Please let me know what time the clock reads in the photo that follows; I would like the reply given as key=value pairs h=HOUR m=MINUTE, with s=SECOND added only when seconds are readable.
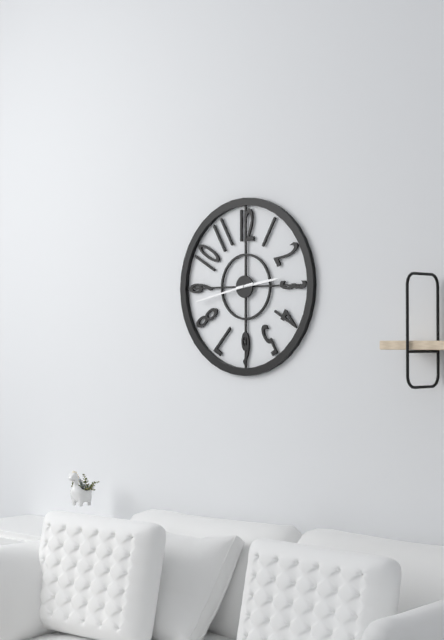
h=2 m=43
